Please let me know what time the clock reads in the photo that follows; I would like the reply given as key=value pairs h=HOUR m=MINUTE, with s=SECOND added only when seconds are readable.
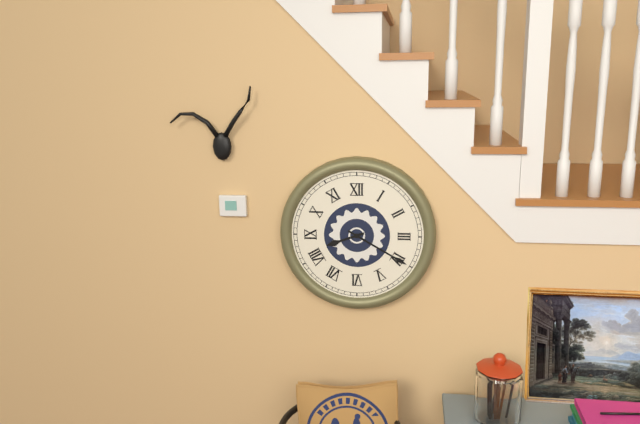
h=8 m=20
